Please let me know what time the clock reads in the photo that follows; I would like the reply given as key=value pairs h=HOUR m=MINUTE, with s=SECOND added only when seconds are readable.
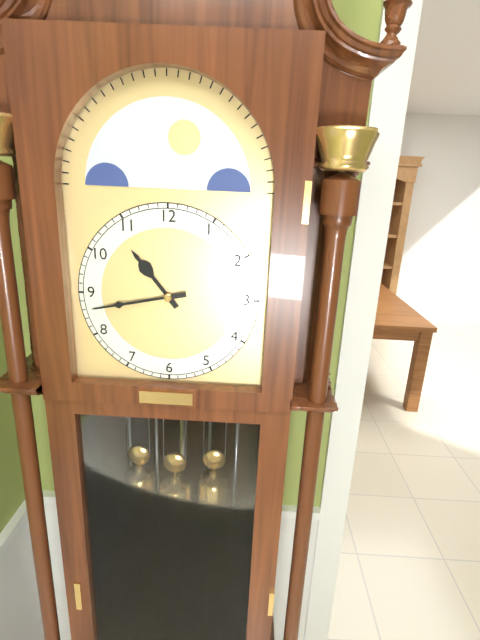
h=10 m=43
